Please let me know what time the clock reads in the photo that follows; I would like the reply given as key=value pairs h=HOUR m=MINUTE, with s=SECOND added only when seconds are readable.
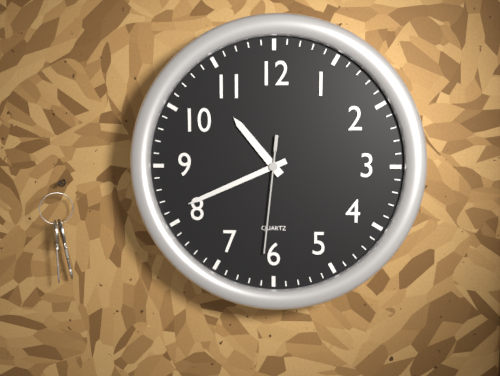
h=10 m=41 s=31
